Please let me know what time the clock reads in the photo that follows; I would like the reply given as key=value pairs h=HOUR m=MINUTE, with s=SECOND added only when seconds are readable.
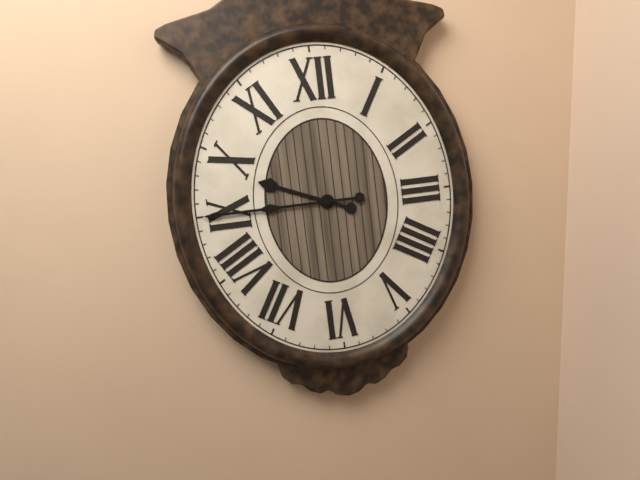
h=9 m=45
